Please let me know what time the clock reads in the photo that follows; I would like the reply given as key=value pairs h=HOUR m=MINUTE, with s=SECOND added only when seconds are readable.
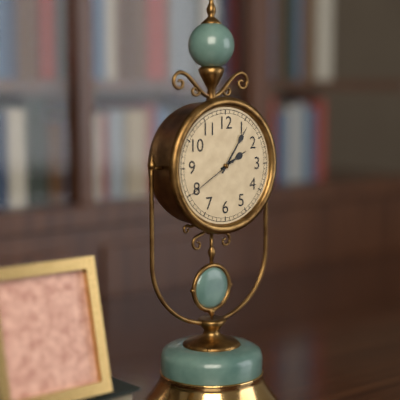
h=2 m=6 s=40
